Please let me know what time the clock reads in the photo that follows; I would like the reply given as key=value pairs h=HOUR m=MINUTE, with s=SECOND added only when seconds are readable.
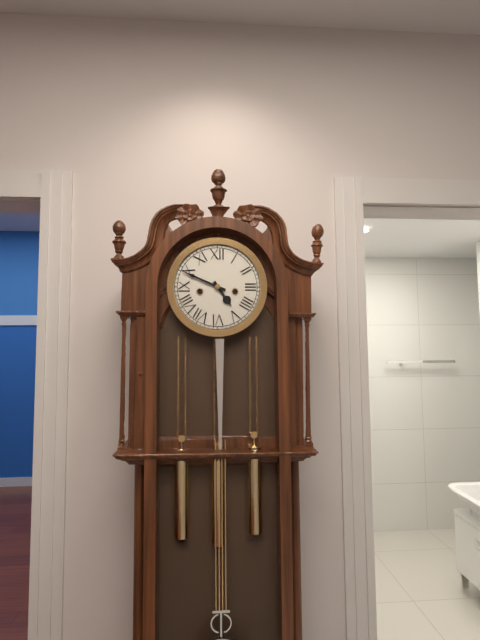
h=4 m=49
